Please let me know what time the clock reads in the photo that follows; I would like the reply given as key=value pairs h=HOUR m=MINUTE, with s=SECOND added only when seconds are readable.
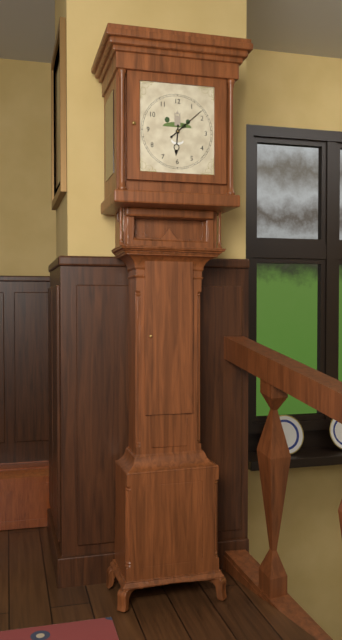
h=6 m=8
